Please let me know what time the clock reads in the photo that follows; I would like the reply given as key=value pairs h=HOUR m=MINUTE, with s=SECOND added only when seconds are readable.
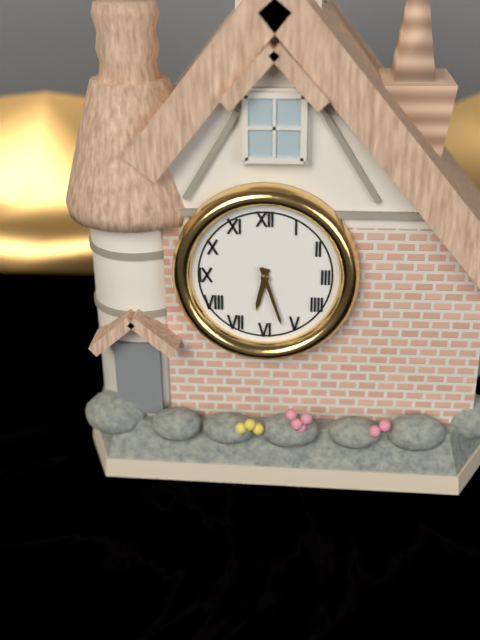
h=6 m=27
